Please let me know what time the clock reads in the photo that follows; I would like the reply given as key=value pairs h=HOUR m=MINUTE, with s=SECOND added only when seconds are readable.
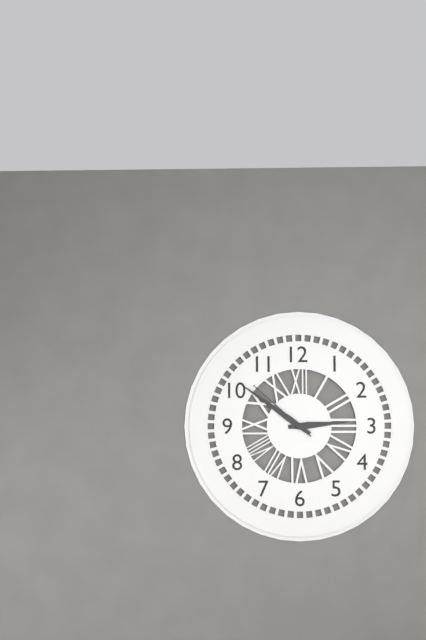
h=2 m=51 s=52
